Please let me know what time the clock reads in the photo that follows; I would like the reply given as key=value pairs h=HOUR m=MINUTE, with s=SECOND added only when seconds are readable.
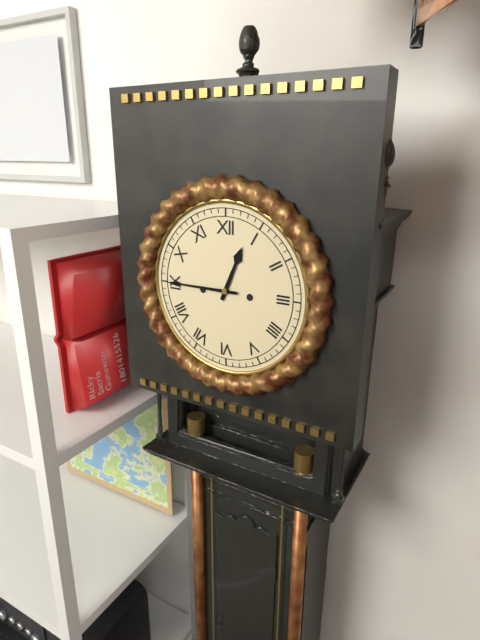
h=12 m=45
